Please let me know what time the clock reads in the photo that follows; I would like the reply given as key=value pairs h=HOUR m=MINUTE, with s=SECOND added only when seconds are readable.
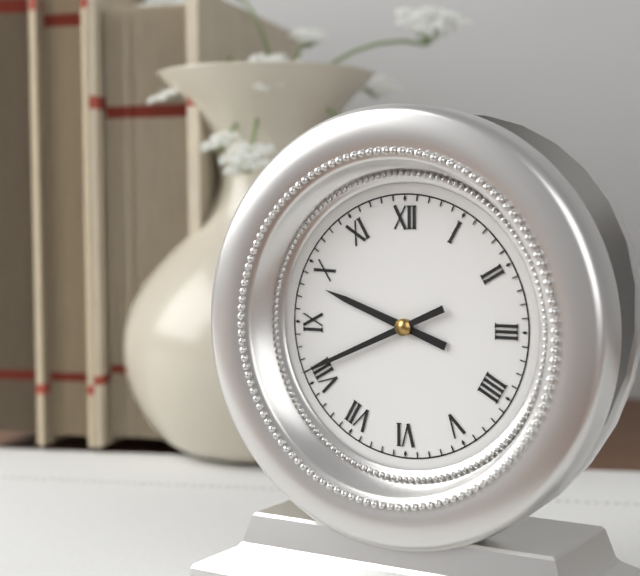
h=9 m=41
